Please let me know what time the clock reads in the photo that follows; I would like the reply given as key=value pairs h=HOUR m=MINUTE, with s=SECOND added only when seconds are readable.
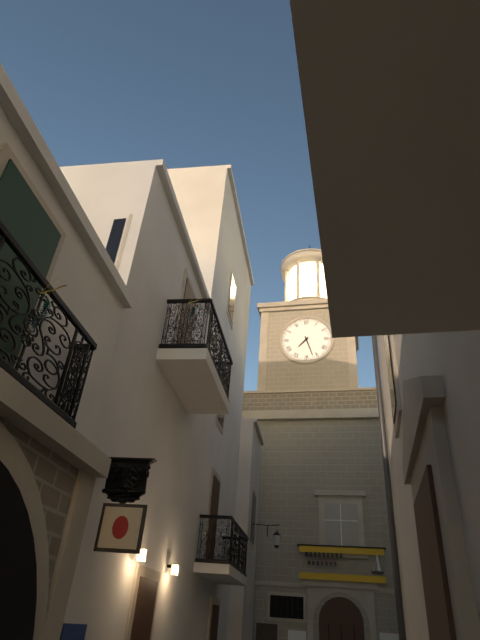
h=7 m=27
